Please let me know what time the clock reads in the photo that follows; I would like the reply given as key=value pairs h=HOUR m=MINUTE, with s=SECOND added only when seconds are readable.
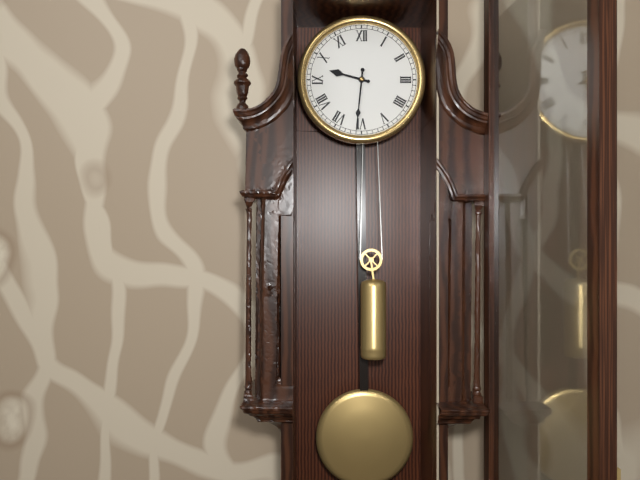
h=9 m=31
